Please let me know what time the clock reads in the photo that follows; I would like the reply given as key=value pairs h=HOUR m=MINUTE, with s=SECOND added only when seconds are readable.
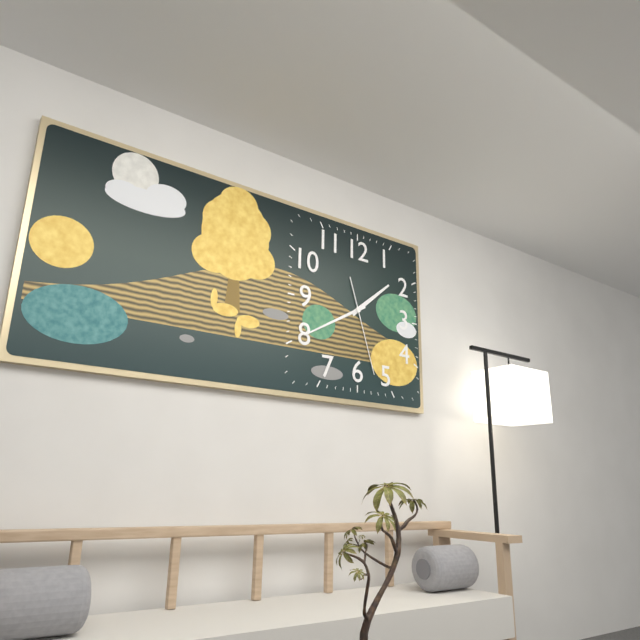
h=1 m=40 s=27
